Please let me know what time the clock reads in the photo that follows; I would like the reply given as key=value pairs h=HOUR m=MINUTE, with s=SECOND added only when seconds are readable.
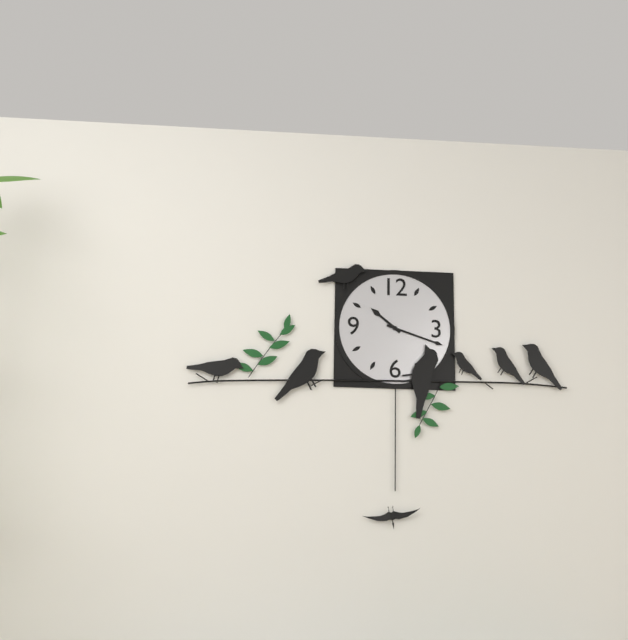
h=10 m=18
